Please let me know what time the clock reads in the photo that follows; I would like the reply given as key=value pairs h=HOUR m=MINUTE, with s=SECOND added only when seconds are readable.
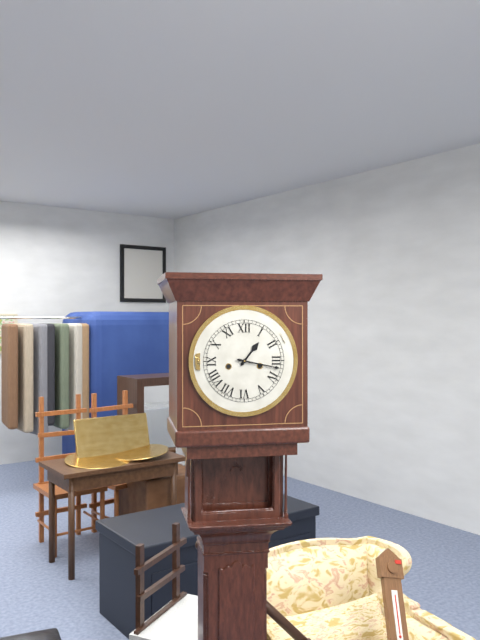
h=1 m=17
